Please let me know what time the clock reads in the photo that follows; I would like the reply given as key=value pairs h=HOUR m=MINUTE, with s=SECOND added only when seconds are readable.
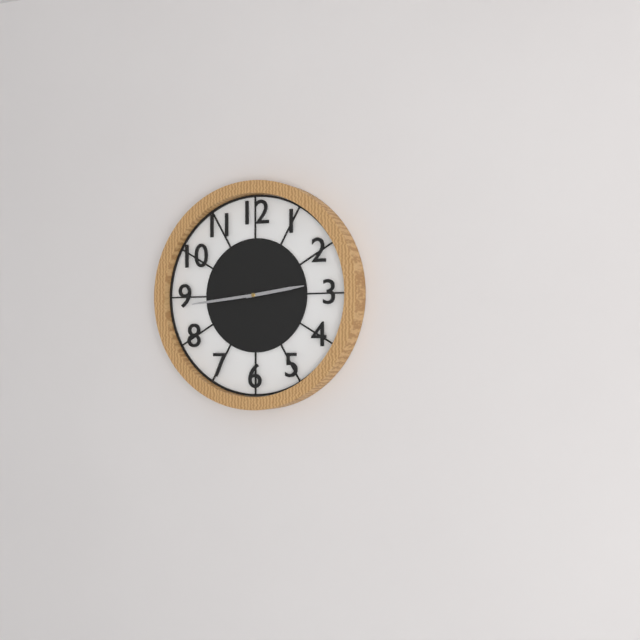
h=2 m=44
